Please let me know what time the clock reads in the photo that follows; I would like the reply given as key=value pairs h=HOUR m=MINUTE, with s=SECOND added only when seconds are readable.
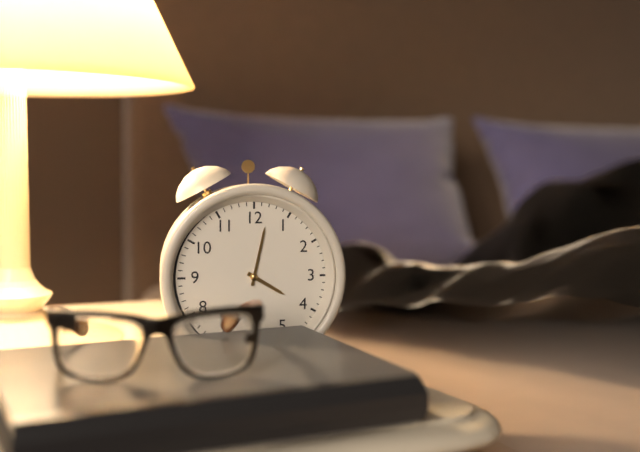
h=4 m=2
